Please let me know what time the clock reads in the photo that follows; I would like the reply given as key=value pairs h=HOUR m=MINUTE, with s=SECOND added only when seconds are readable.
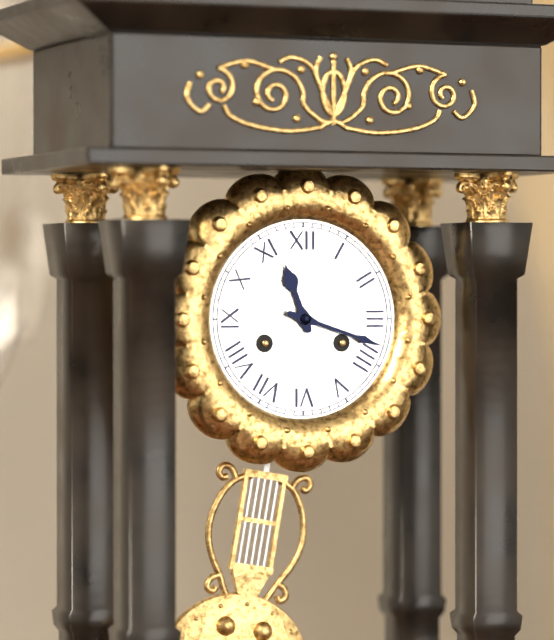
h=11 m=18
